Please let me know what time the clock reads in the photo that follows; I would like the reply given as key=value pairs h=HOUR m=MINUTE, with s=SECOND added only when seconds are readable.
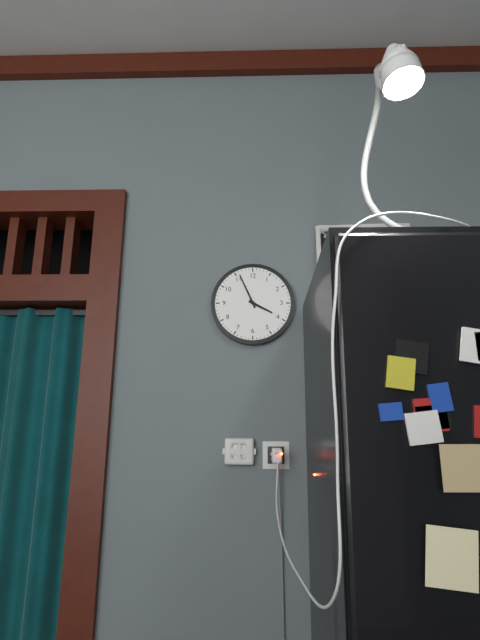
h=3 m=56
